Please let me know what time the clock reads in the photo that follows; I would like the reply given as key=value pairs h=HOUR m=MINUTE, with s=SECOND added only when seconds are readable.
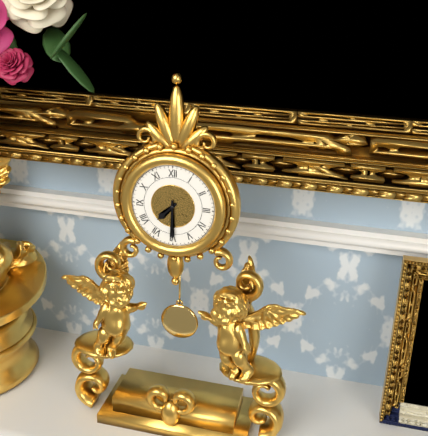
h=7 m=30
